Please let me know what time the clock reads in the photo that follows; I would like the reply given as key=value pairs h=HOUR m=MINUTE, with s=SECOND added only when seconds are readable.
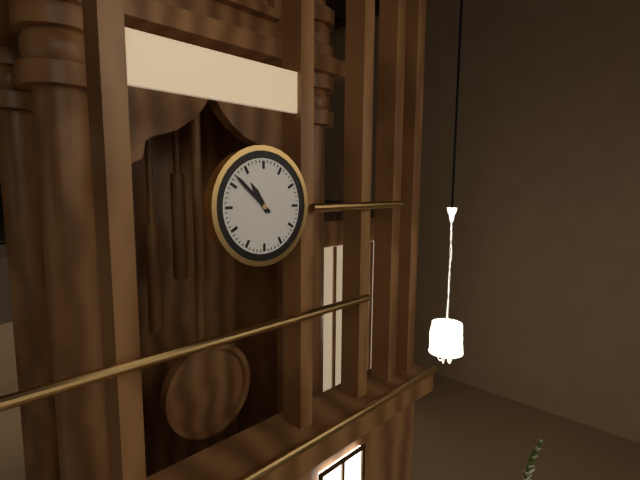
h=10 m=52
